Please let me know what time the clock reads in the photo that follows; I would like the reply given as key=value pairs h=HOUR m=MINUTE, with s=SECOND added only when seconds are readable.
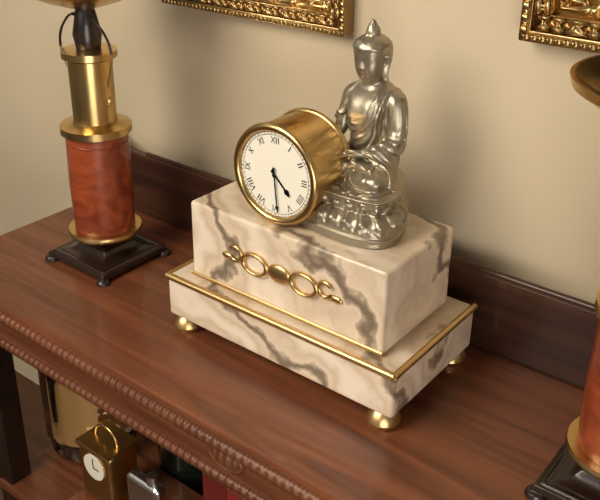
h=4 m=29
